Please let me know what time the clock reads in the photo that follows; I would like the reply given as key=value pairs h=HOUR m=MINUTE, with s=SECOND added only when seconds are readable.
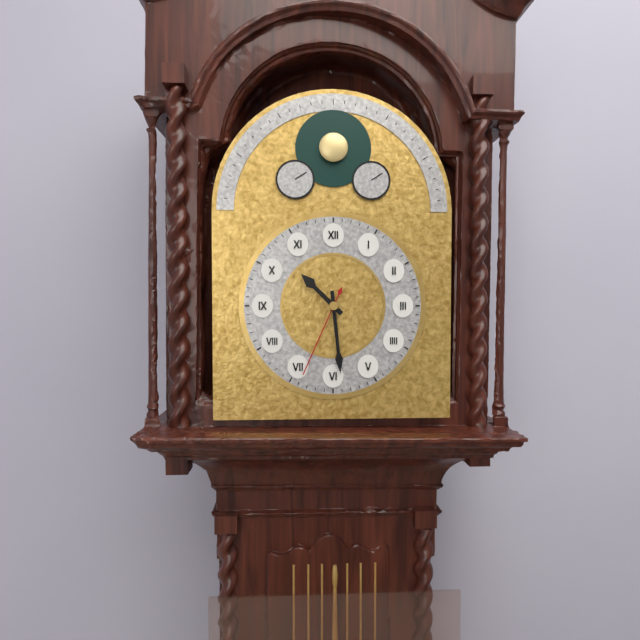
h=10 m=29 s=34
